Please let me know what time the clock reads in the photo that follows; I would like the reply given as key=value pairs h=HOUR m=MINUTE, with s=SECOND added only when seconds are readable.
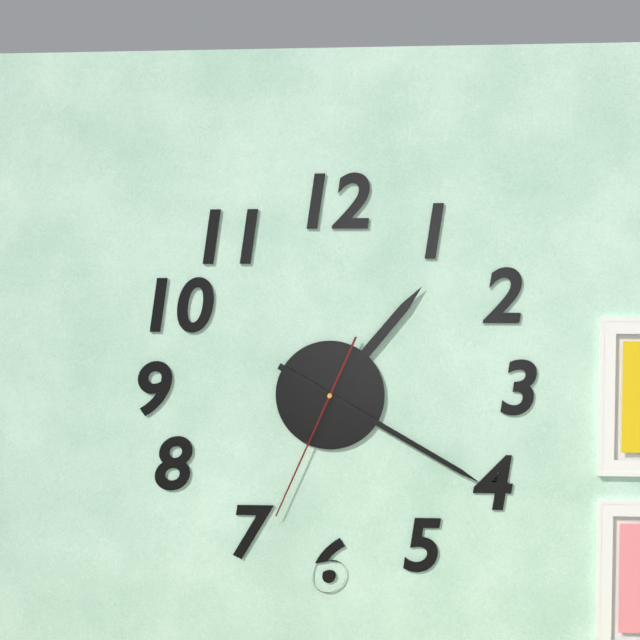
h=1 m=20 s=34
